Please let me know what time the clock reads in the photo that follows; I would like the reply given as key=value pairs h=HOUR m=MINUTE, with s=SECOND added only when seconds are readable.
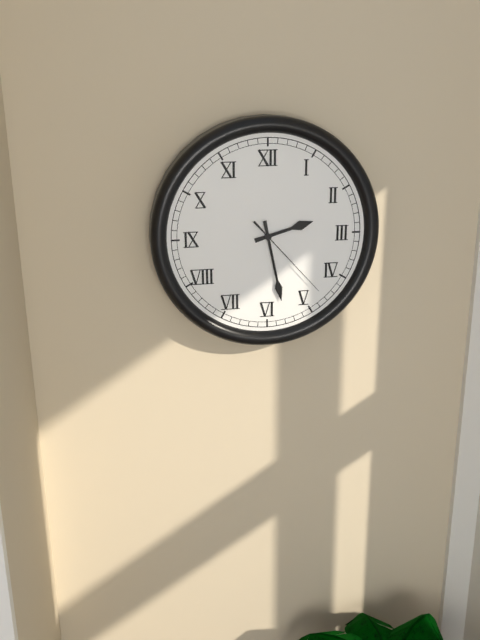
h=2 m=28 s=23
